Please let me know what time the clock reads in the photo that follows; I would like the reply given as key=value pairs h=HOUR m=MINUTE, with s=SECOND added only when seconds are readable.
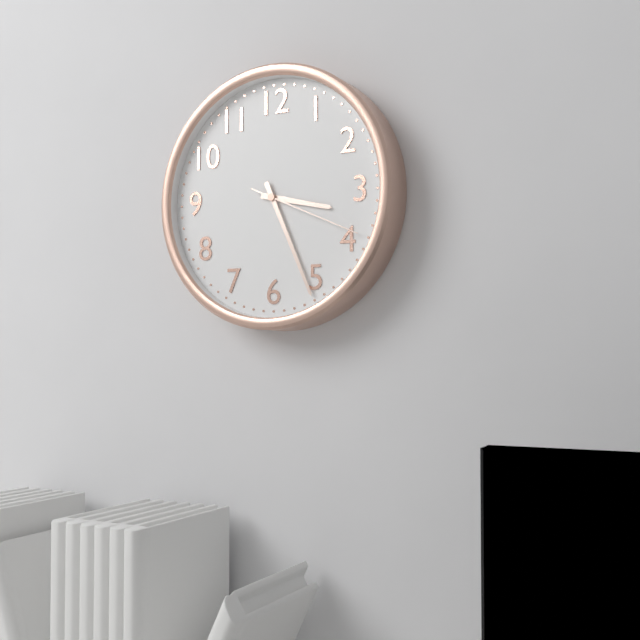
h=3 m=26 s=19
